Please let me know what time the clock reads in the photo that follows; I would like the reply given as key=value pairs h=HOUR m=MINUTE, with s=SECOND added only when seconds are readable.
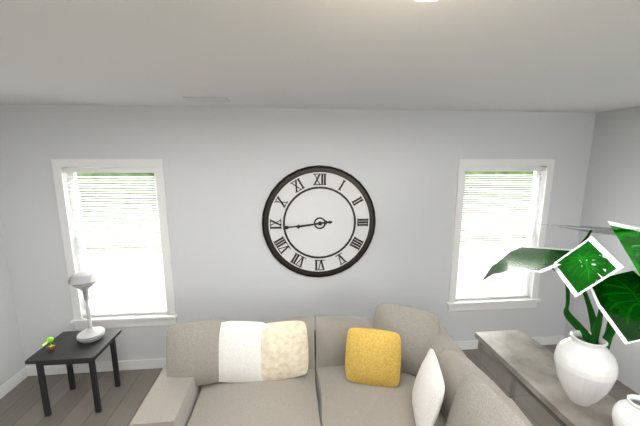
h=8 m=44
